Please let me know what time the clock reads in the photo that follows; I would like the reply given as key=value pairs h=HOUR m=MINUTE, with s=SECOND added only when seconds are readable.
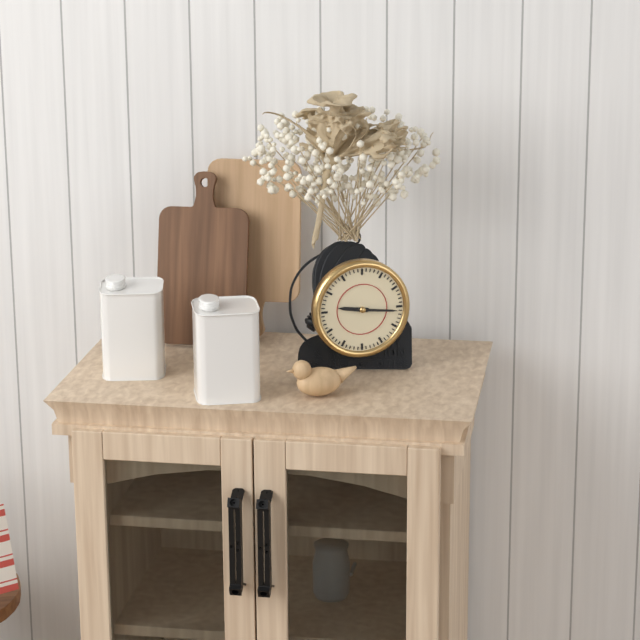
h=9 m=16
